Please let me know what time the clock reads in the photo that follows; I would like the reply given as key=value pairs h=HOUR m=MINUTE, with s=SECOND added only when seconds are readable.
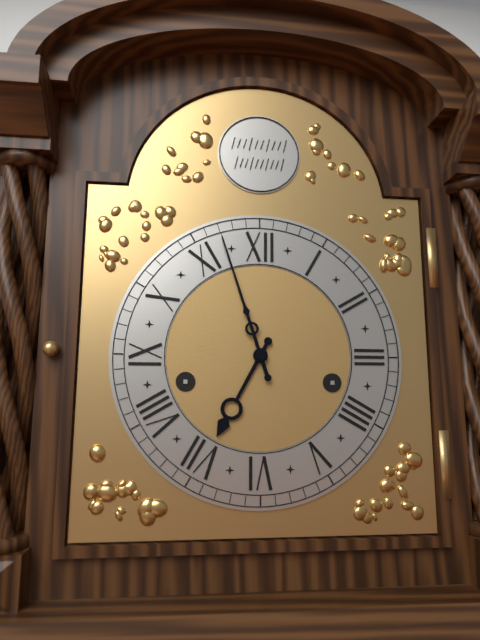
h=6 m=57
